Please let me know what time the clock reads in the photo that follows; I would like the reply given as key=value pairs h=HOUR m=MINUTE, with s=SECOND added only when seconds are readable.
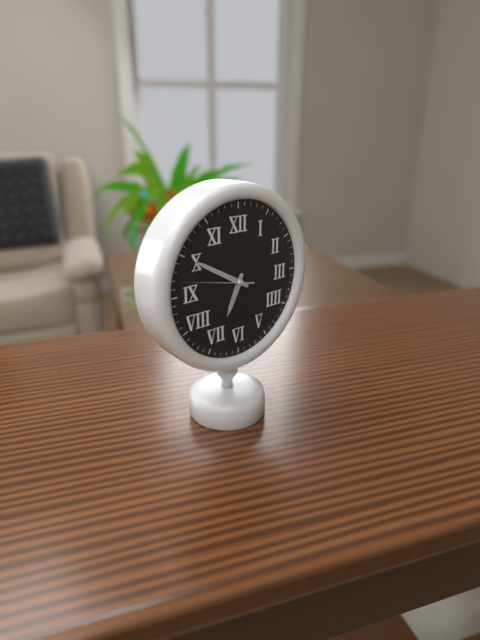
h=6 m=50 s=47
